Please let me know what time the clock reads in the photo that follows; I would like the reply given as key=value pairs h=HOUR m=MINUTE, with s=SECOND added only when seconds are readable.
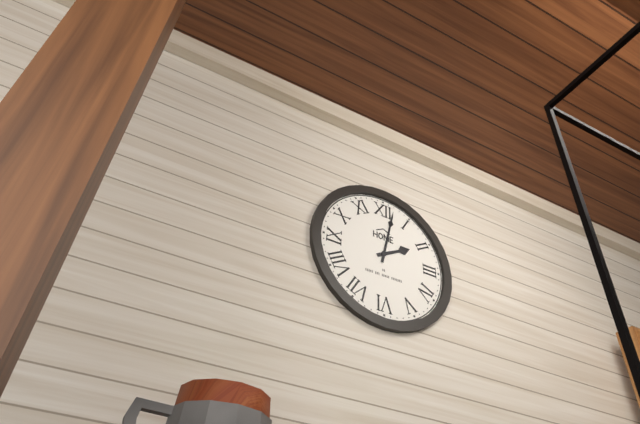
h=2 m=2
